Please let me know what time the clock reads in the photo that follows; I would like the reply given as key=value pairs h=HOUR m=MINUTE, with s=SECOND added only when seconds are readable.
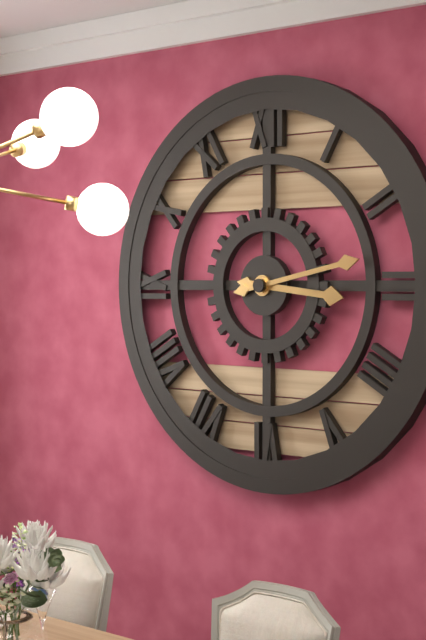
h=3 m=13
